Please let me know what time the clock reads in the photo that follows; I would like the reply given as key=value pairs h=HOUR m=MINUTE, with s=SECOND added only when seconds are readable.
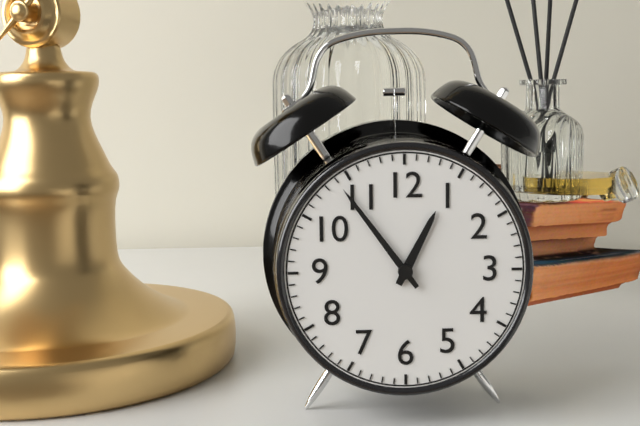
h=12 m=54
